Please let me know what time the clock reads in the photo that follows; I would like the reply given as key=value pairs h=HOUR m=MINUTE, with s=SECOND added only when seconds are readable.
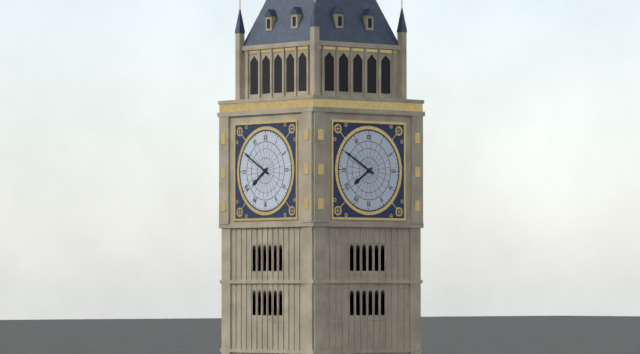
h=7 m=50
